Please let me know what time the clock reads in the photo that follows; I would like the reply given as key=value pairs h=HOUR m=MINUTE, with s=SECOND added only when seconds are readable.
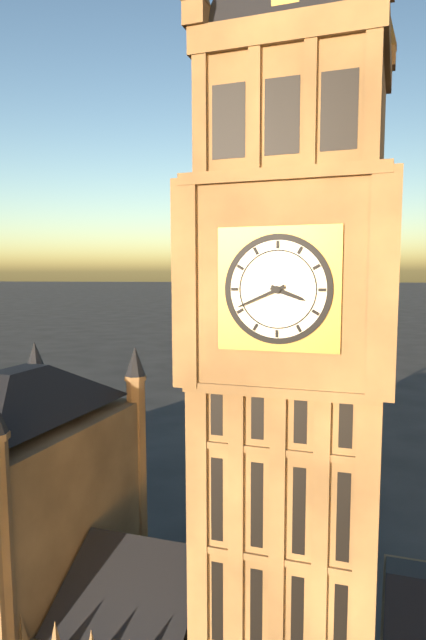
h=3 m=41
